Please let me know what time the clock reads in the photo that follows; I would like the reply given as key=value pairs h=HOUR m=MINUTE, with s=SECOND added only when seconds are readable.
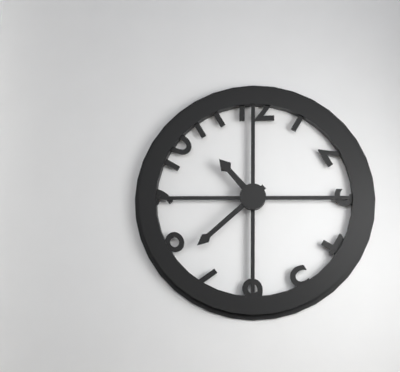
h=10 m=38
